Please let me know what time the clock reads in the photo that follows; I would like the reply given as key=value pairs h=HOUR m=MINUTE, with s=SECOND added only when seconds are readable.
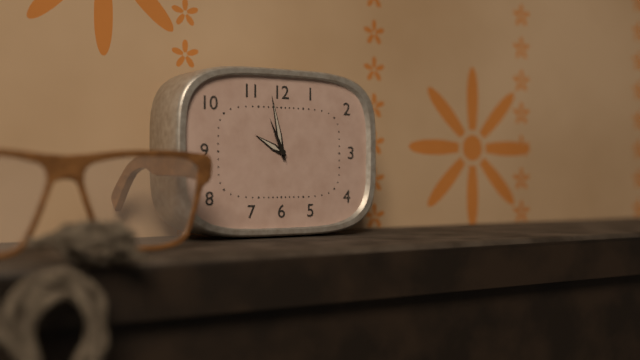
h=9 m=58
